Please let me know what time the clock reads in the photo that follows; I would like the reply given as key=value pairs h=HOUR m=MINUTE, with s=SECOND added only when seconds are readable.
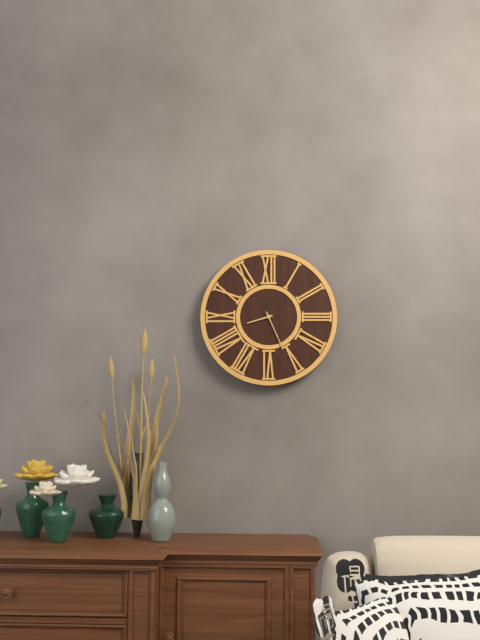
h=8 m=26
